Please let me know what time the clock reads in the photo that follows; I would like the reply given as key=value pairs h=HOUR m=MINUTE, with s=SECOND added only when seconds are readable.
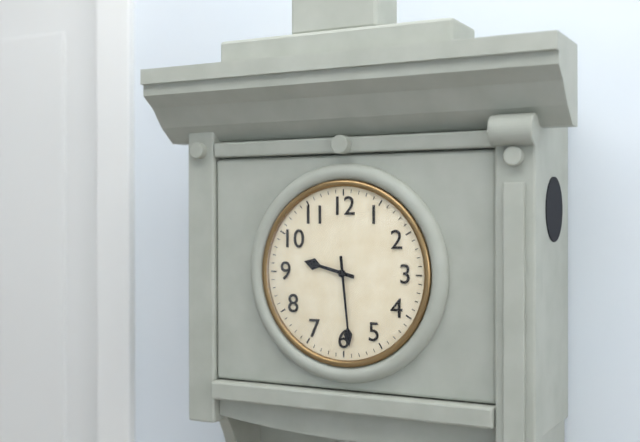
h=9 m=29
